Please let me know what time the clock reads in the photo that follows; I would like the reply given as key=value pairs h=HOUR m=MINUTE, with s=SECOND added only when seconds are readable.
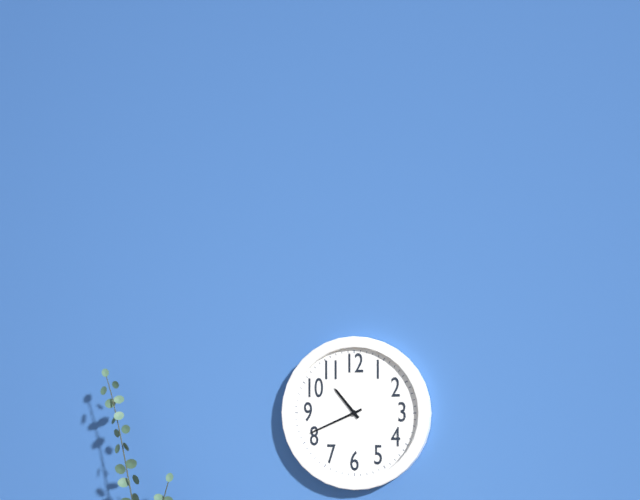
h=10 m=41
